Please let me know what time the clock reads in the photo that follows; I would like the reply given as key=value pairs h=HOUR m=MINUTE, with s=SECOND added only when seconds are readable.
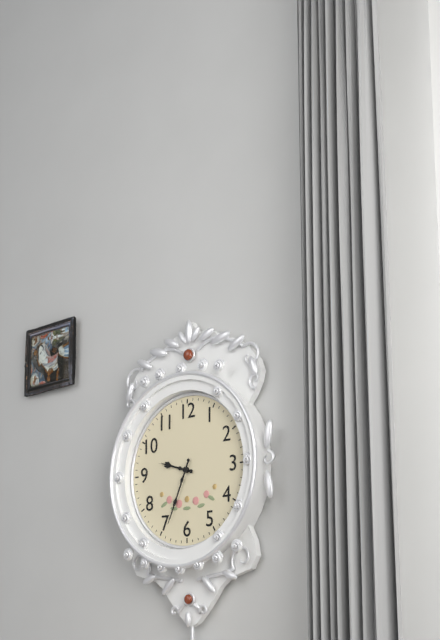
h=9 m=34
